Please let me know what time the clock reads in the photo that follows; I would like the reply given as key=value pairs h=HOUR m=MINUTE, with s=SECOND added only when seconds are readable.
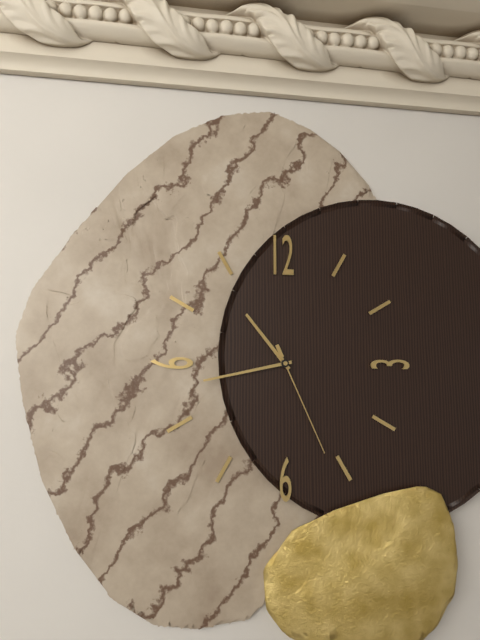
h=10 m=43 s=26
